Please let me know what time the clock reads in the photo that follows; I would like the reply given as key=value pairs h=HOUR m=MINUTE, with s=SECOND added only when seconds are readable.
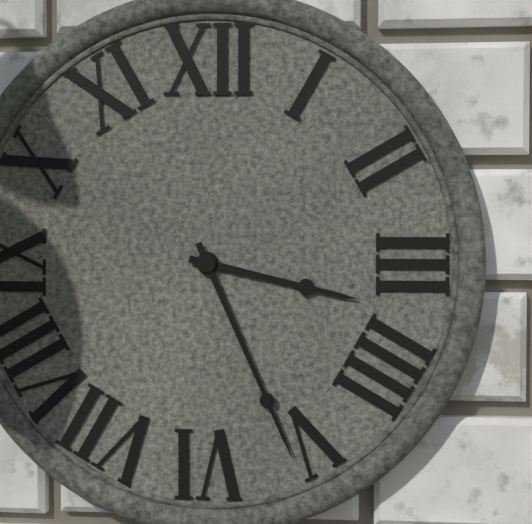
h=3 m=26
